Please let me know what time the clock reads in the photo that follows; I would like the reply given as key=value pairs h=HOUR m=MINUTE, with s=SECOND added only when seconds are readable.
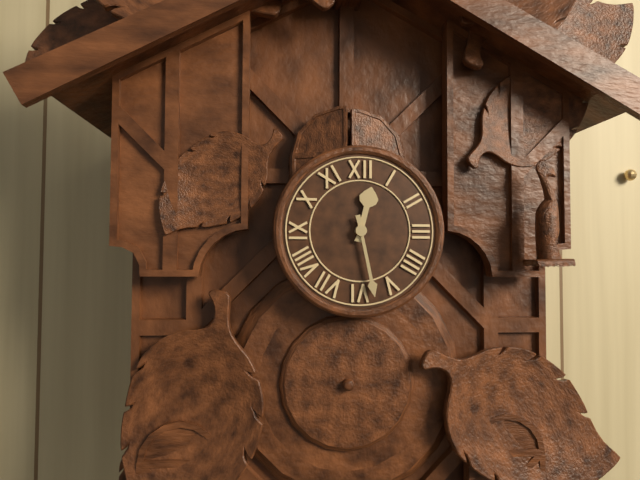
h=12 m=28
